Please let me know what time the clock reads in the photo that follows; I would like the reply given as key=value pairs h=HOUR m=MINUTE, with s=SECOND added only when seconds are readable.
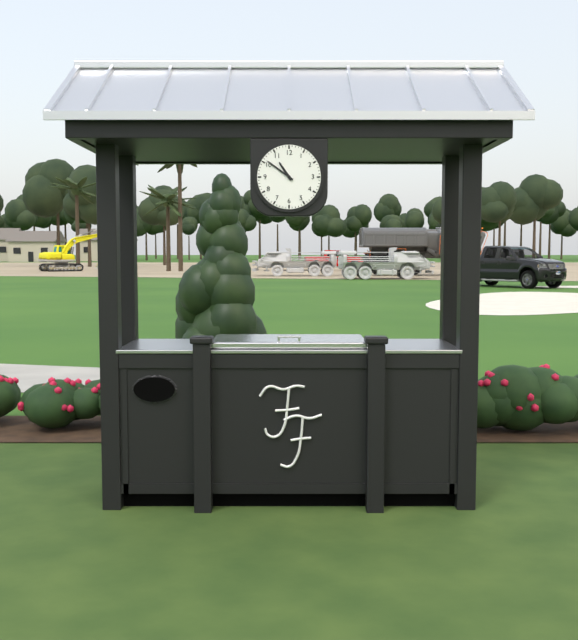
h=10 m=51
